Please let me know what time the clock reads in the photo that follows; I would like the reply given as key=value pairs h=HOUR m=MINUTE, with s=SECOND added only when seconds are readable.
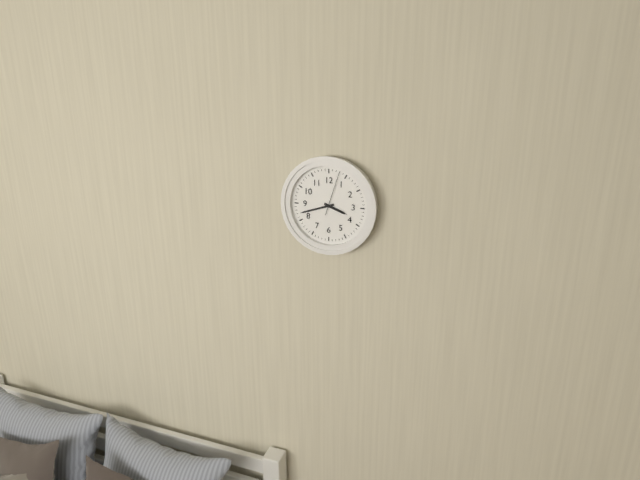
h=3 m=42
